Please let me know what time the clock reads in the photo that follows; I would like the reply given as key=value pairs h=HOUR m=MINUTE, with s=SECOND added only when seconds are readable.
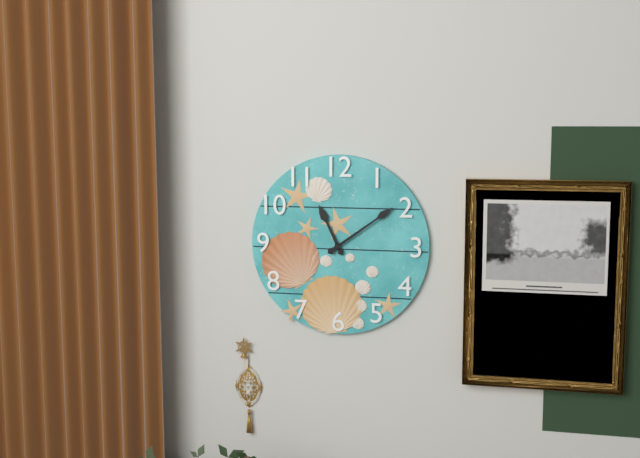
h=11 m=9
